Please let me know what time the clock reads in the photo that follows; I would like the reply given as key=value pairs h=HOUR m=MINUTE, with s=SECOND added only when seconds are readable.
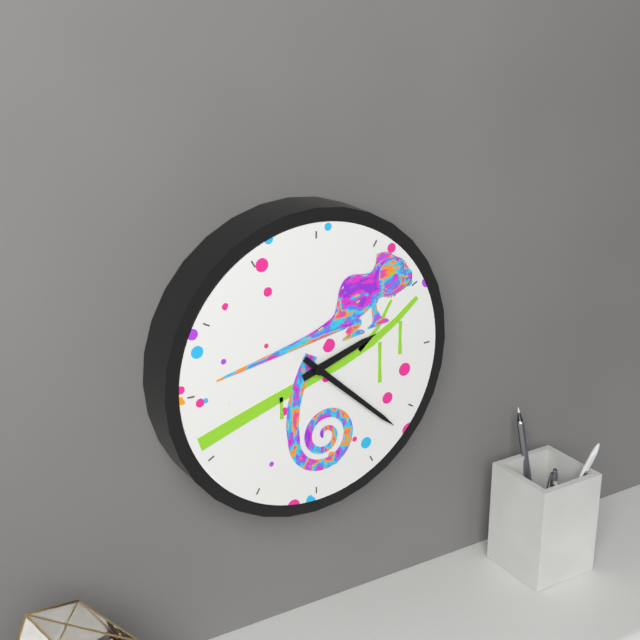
h=2 m=22
